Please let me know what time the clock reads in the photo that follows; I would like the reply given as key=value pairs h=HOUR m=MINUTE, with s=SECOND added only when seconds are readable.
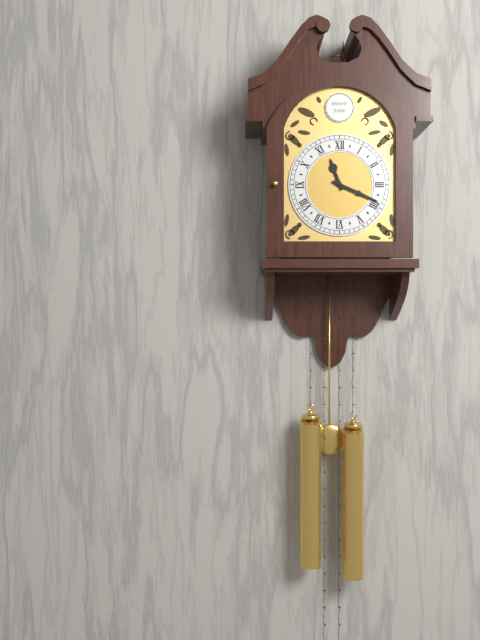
h=11 m=19
